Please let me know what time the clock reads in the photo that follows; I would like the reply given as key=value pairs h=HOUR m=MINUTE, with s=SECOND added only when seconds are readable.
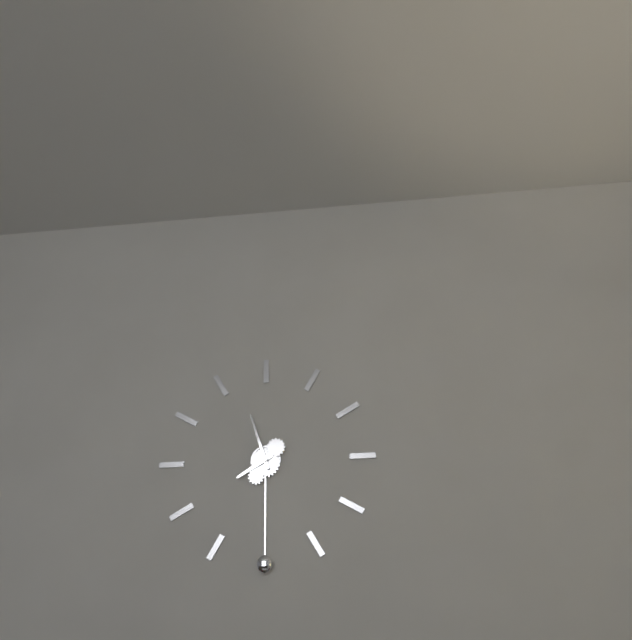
h=7 m=57
